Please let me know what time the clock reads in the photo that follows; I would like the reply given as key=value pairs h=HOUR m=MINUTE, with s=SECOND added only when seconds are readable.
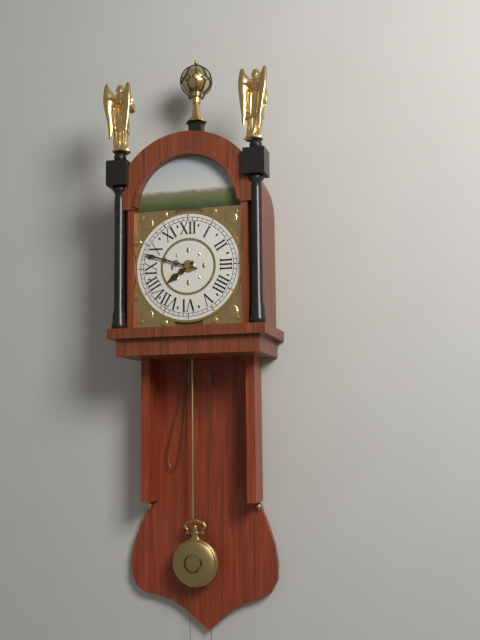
h=7 m=48
